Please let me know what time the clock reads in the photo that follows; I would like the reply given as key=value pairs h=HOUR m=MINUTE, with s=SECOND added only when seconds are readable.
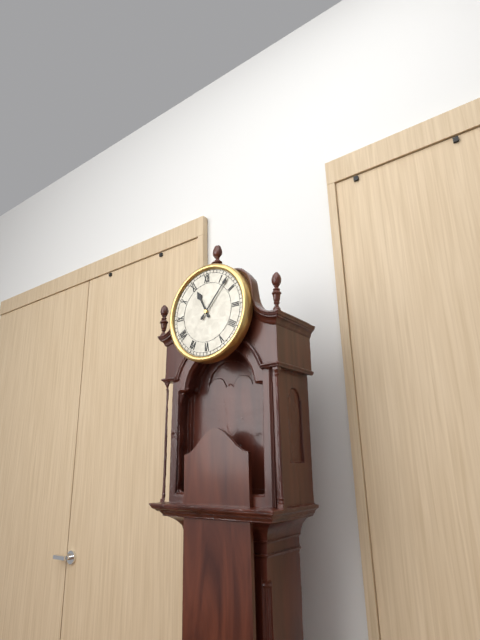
h=11 m=7
